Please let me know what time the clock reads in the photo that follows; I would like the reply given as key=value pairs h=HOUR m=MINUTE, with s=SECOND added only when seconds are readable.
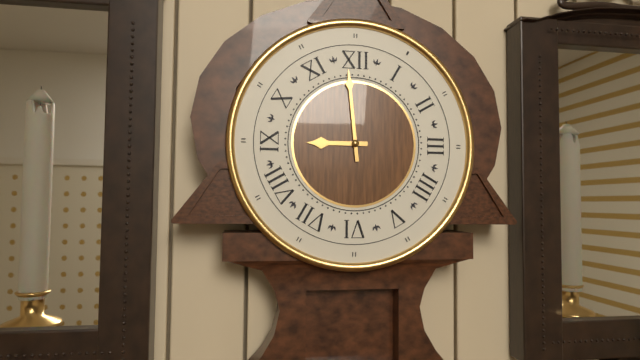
h=8 m=59
